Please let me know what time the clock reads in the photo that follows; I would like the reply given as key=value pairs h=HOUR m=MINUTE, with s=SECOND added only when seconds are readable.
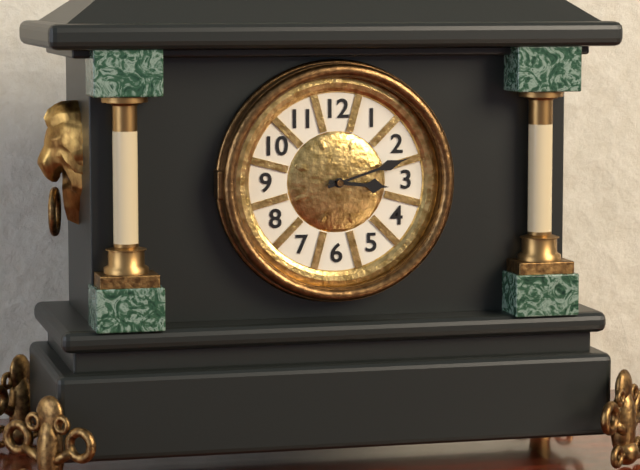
h=3 m=12
